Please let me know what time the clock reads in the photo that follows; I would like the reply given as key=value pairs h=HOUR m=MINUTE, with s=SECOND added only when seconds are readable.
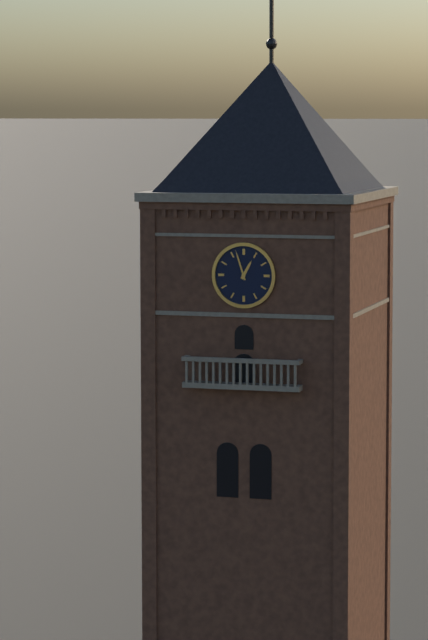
h=12 m=57
